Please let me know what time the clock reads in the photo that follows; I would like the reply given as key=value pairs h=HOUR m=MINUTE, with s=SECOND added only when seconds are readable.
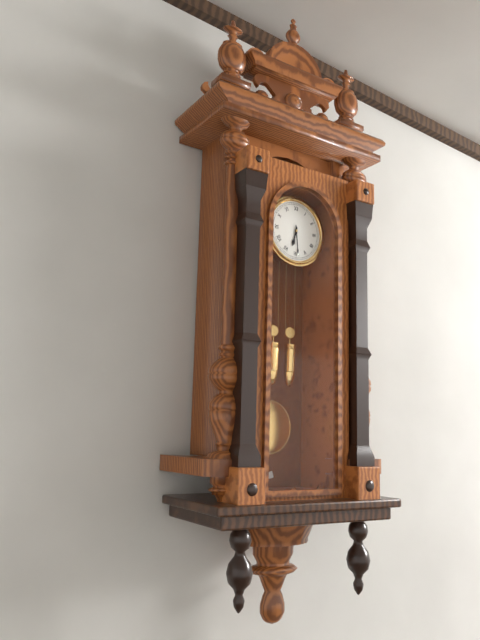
h=6 m=29
